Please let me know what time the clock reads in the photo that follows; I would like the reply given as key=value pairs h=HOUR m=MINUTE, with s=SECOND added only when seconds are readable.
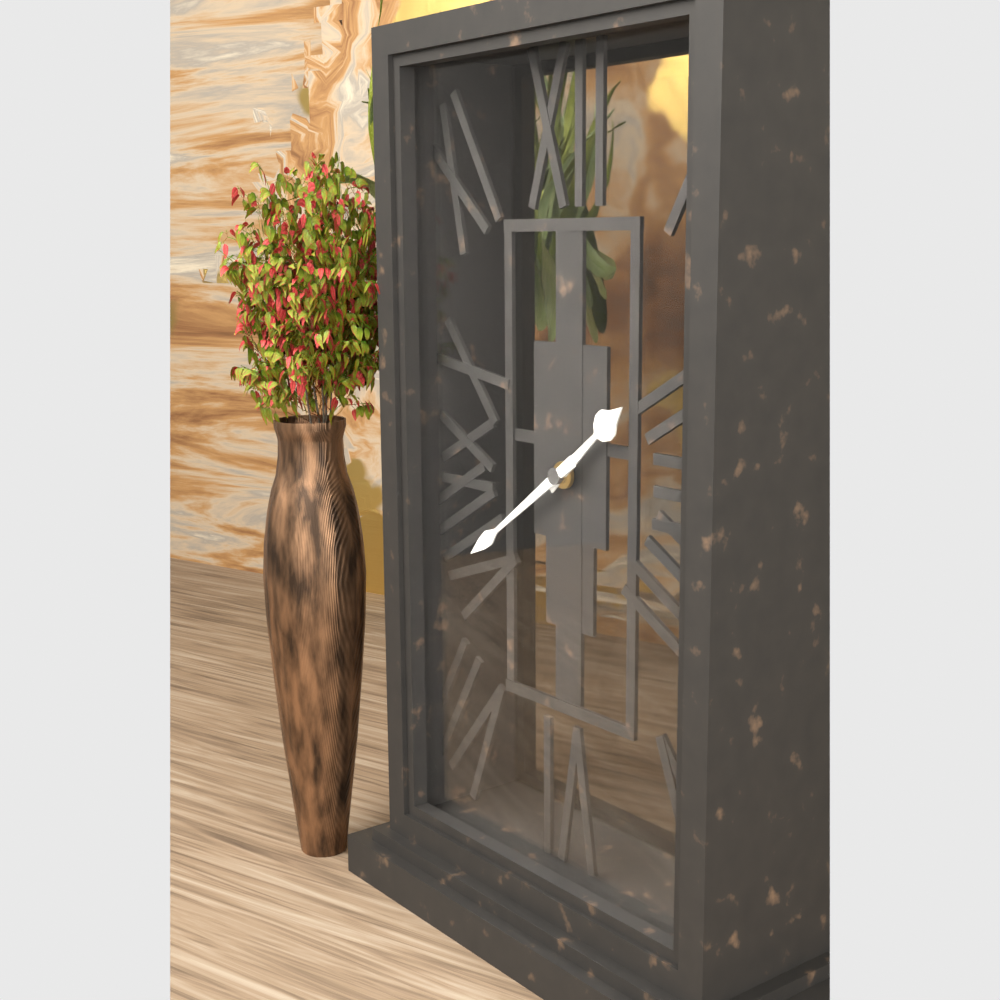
h=1 m=39
